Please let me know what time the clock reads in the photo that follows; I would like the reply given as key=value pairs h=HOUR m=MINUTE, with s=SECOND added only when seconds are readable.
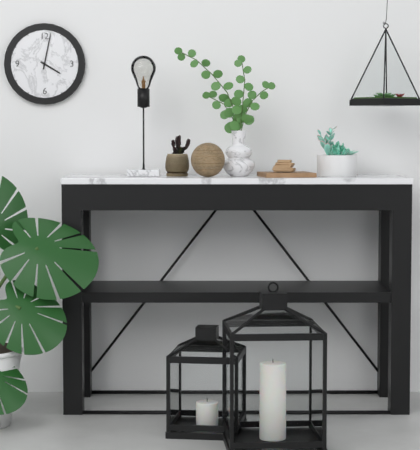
h=4 m=2
